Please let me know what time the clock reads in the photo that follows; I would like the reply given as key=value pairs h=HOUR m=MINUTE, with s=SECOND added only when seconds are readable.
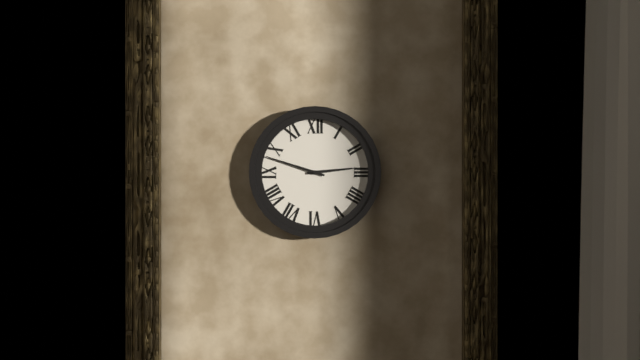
h=2 m=48
